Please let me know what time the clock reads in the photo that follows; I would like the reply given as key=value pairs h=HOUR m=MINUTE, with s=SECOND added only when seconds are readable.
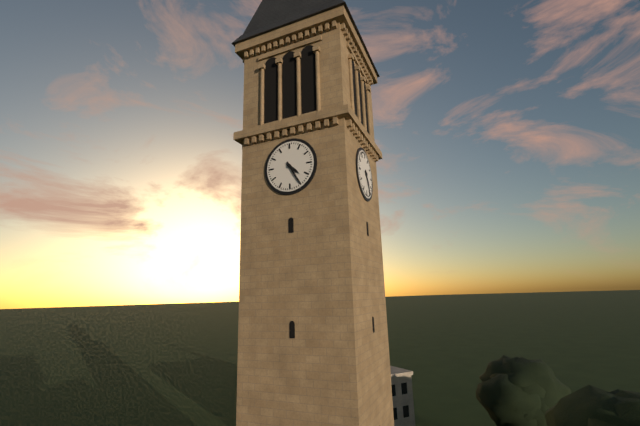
h=4 m=25
